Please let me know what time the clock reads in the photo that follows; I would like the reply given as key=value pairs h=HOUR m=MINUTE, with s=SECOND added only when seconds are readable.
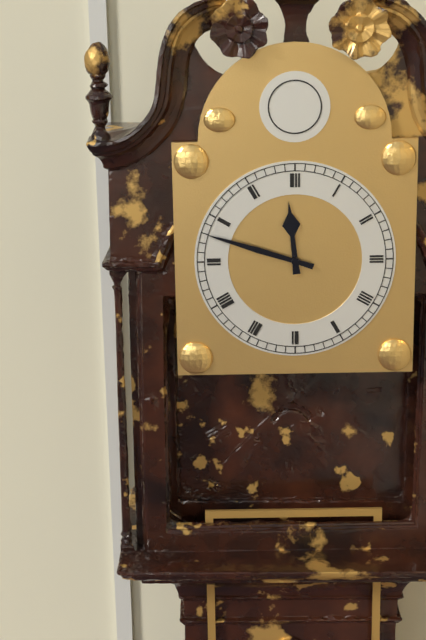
h=11 m=48
